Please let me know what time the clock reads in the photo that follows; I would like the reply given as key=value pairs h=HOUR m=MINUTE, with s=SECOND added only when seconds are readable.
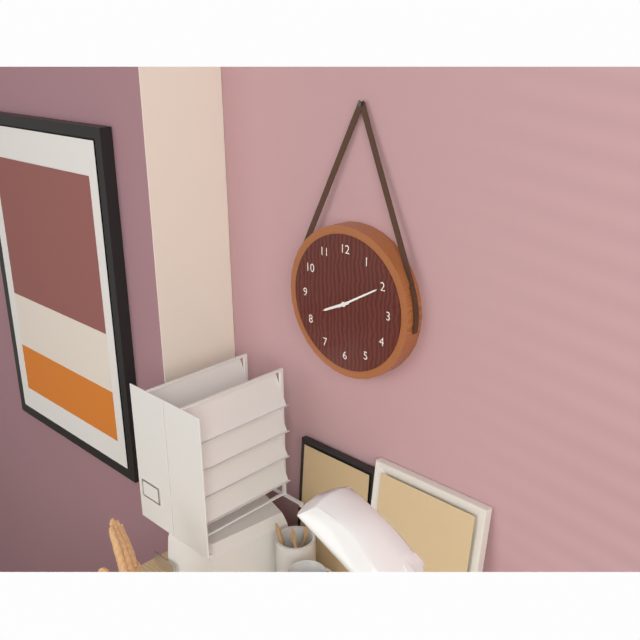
h=8 m=10
